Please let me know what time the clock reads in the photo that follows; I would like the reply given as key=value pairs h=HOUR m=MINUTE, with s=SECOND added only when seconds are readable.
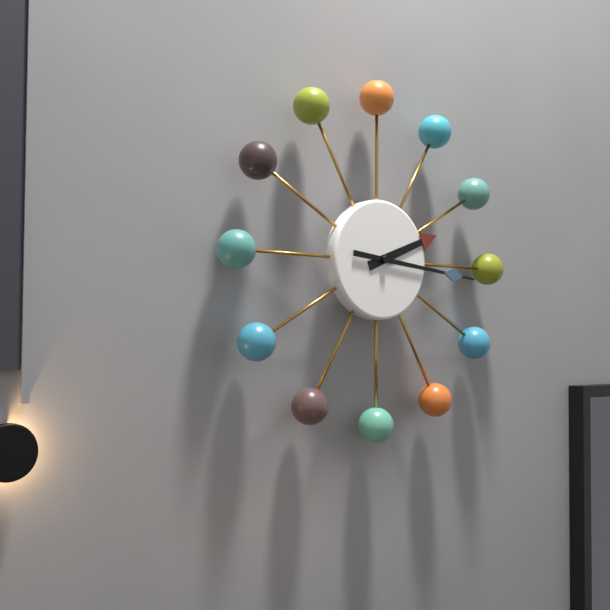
h=2 m=16
